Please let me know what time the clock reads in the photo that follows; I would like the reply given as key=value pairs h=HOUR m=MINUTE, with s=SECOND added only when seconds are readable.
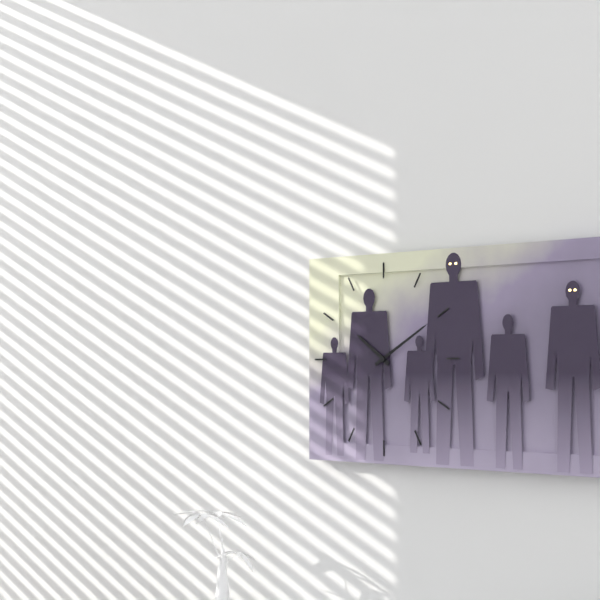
h=10 m=10
